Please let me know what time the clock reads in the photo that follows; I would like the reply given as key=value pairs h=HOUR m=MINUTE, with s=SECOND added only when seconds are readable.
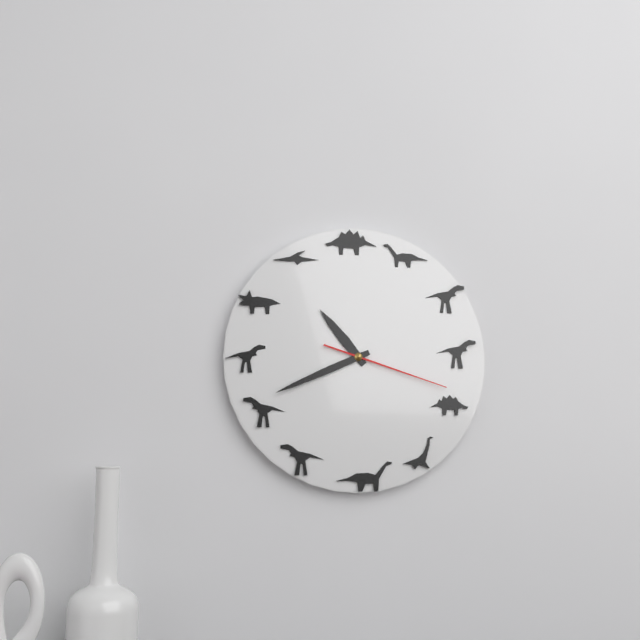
h=10 m=41 s=18
